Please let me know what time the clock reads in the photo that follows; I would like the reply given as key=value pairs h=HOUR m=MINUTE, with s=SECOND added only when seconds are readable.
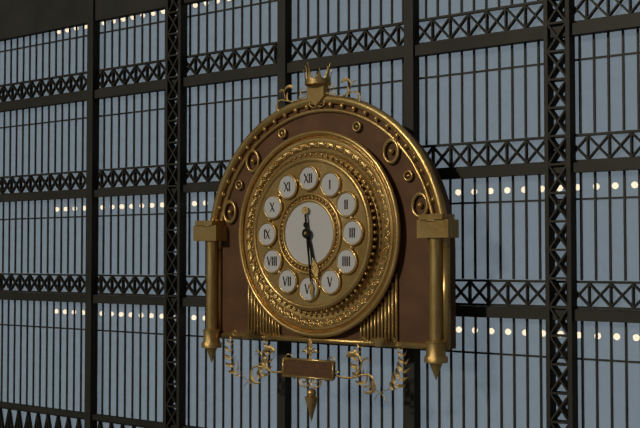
h=5 m=29
